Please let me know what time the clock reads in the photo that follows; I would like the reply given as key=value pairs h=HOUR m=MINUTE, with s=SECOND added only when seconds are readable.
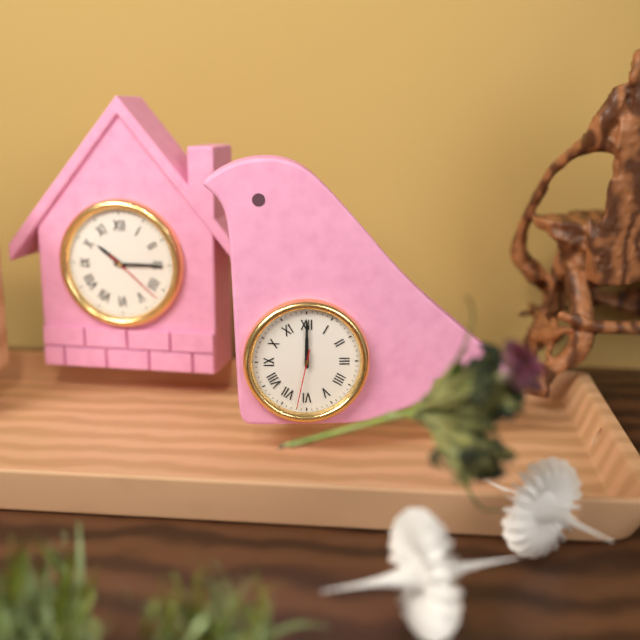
h=12 m=0 s=32
